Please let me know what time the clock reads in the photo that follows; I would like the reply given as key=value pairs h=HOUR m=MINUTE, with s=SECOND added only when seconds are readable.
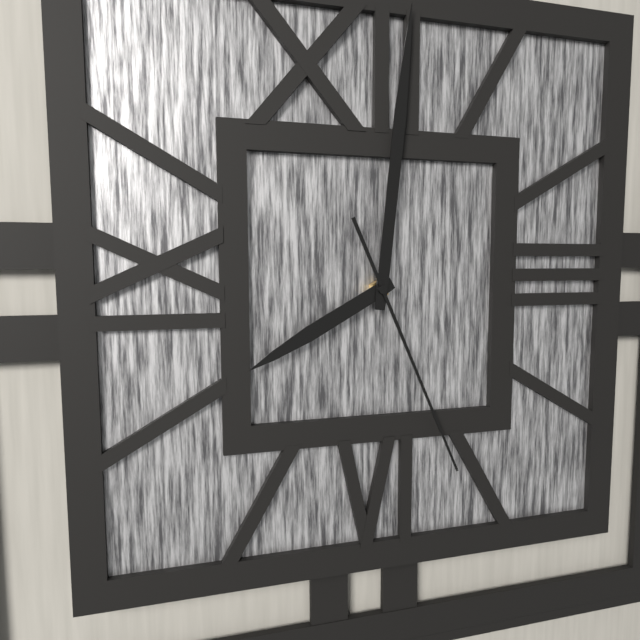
h=8 m=1 s=26
